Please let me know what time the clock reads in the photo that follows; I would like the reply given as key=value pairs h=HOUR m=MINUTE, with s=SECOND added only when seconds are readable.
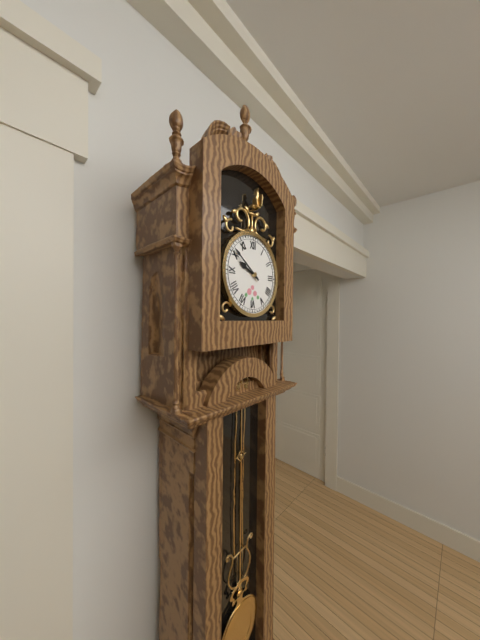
h=9 m=51
